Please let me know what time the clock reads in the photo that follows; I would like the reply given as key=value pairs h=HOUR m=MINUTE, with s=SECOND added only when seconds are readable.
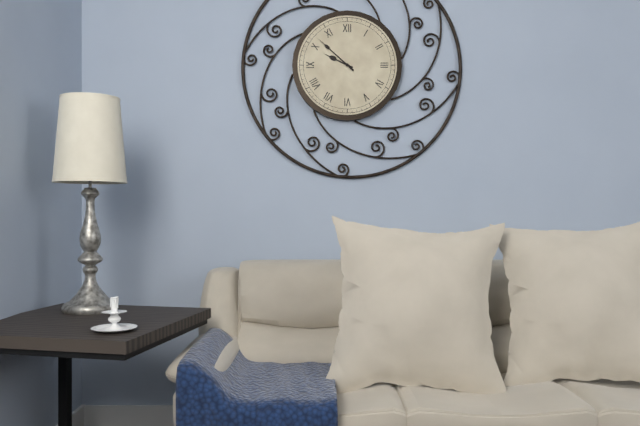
h=9 m=52
